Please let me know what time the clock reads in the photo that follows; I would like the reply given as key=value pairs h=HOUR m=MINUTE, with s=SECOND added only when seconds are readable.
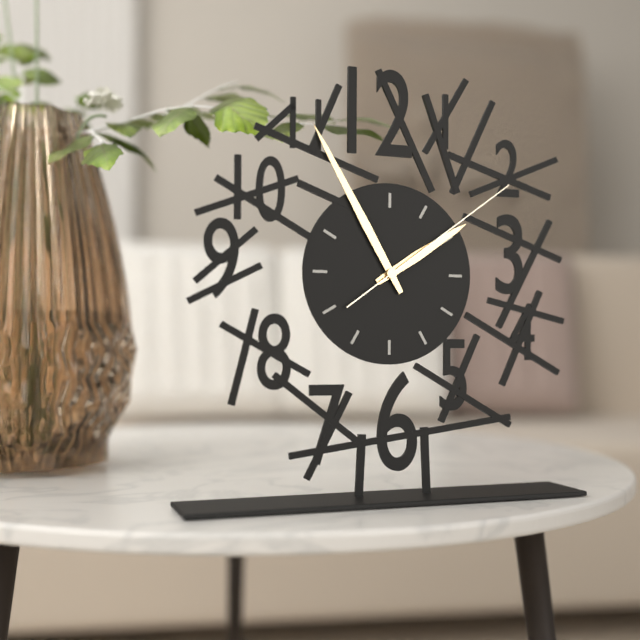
h=1 m=55 s=9
